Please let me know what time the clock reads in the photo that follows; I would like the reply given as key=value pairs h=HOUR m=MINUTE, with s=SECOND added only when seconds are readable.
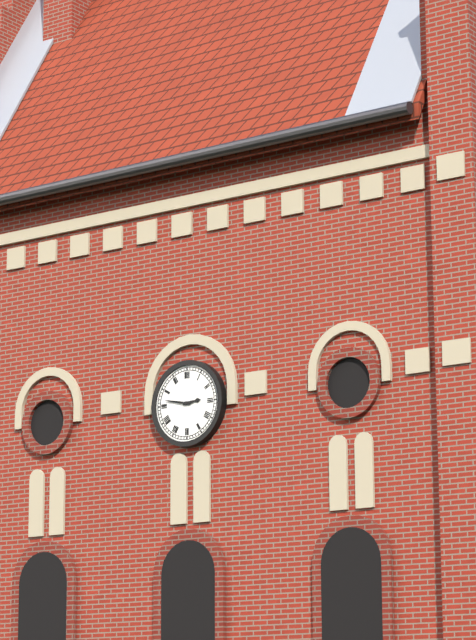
h=2 m=47
